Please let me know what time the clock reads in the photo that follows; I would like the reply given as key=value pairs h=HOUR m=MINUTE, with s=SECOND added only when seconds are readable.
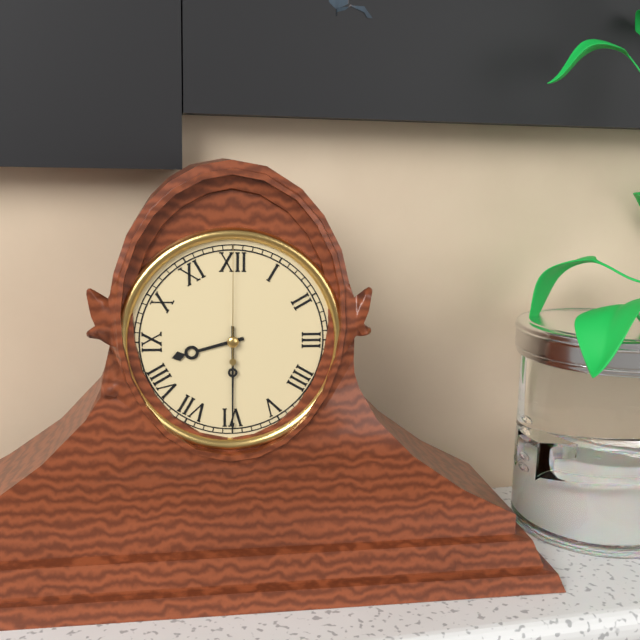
h=8 m=30 s=0
